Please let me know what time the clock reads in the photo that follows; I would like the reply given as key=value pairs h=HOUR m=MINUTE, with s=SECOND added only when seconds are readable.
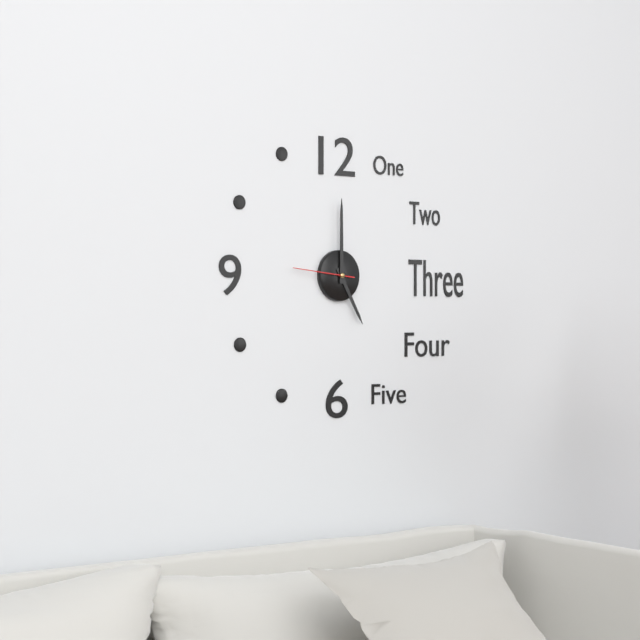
h=5 m=0 s=46
